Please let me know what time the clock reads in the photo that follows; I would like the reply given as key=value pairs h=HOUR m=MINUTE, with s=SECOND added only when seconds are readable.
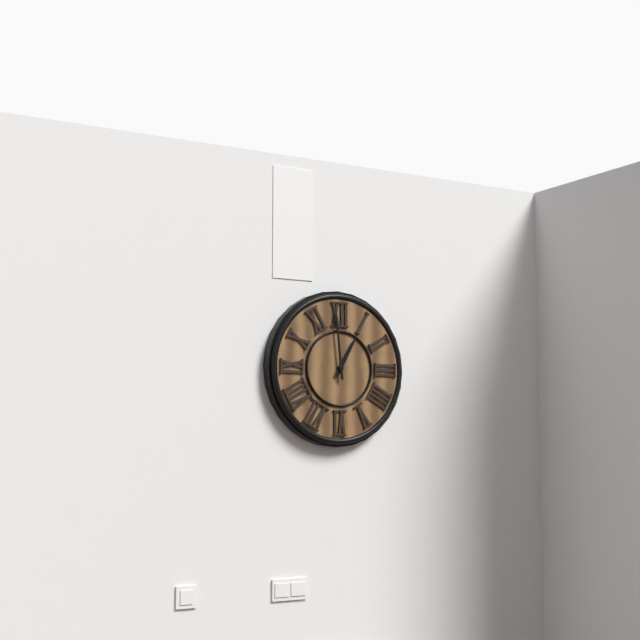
h=12 m=59
